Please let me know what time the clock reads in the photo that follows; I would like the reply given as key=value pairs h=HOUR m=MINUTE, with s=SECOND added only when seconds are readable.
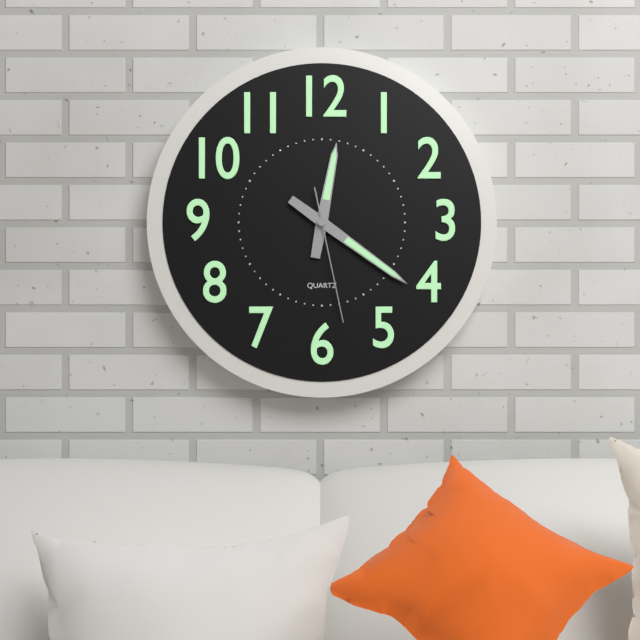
h=12 m=21 s=28
